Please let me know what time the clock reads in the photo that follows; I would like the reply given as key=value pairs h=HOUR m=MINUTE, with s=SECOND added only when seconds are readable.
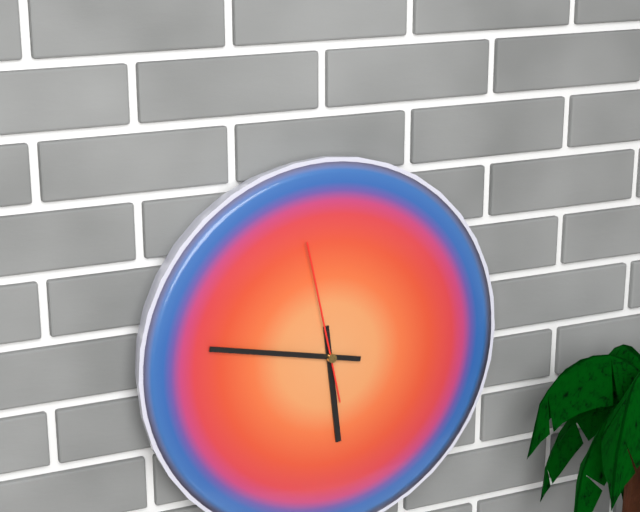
h=5 m=47 s=58
